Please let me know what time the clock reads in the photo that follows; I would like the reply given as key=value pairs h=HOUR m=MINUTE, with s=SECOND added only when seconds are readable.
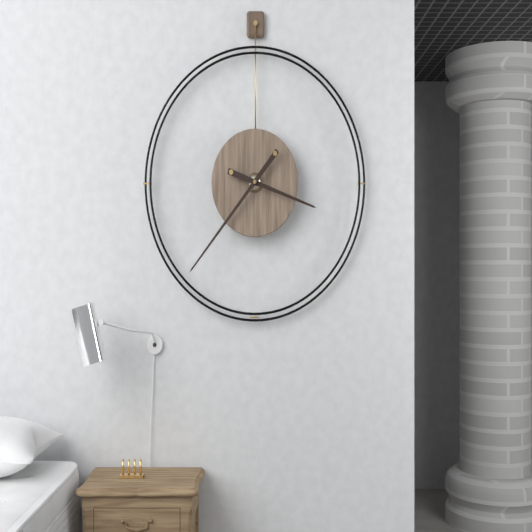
h=3 m=37
